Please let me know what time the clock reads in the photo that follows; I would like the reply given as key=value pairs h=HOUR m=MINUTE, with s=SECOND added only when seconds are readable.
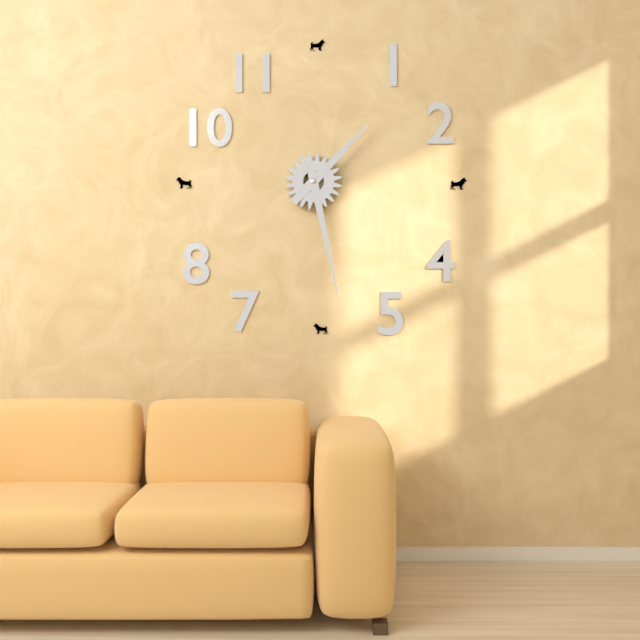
h=1 m=28
